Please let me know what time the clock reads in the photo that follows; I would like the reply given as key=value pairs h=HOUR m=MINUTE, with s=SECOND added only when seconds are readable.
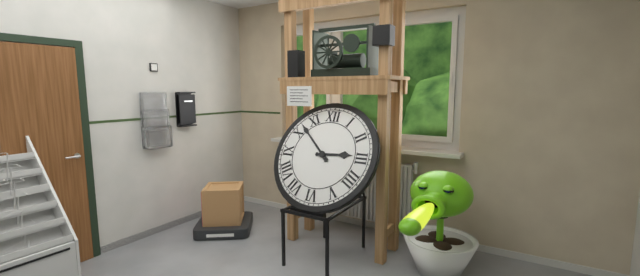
h=2 m=52
